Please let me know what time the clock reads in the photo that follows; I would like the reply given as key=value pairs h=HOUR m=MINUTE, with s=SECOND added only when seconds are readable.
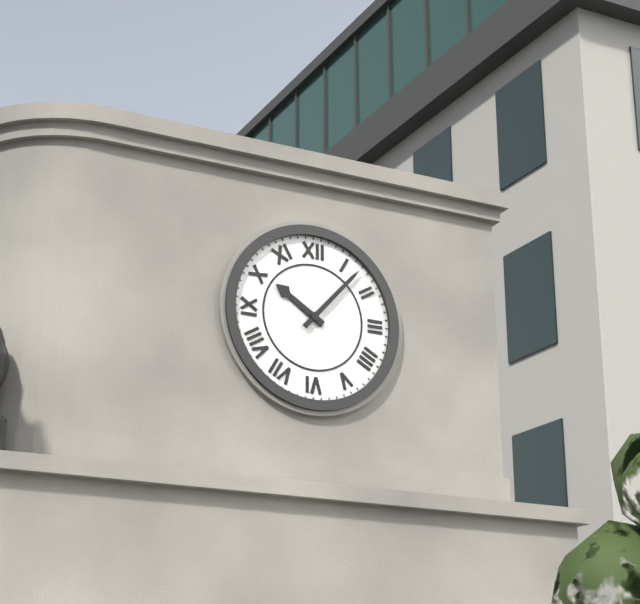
h=10 m=7
